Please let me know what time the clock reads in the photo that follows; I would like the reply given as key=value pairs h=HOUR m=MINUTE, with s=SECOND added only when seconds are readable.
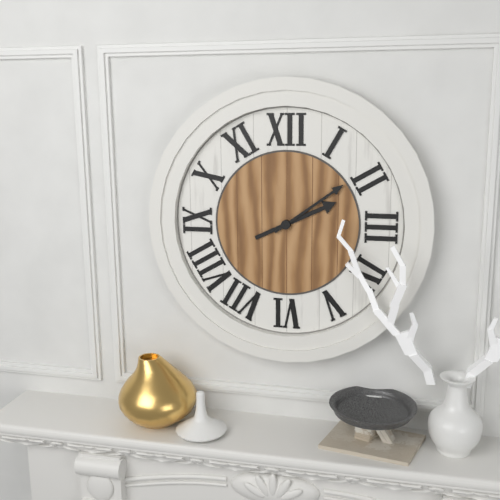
h=2 m=9
